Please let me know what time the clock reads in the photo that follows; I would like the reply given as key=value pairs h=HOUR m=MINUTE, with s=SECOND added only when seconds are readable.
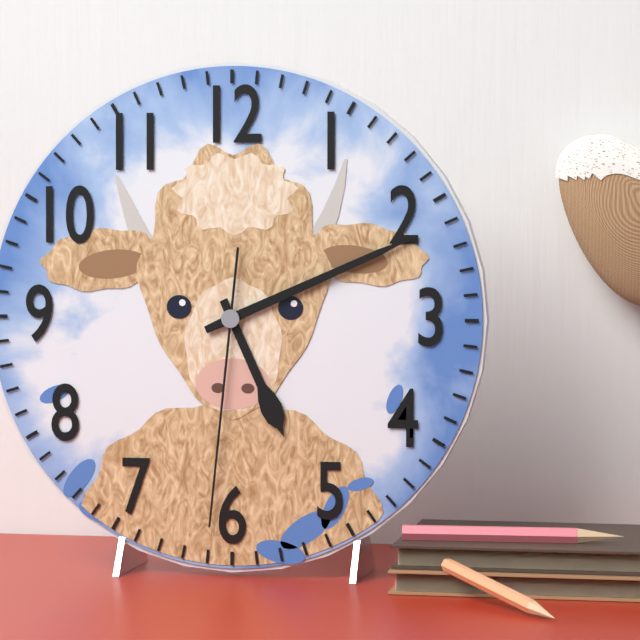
h=5 m=11 s=31
